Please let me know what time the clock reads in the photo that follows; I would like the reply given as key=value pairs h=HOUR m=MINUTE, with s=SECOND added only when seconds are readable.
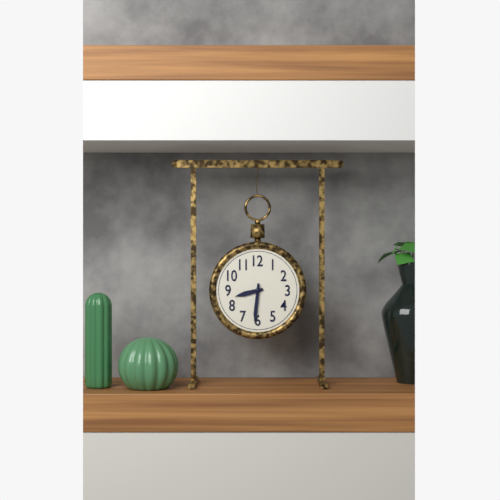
h=8 m=31
